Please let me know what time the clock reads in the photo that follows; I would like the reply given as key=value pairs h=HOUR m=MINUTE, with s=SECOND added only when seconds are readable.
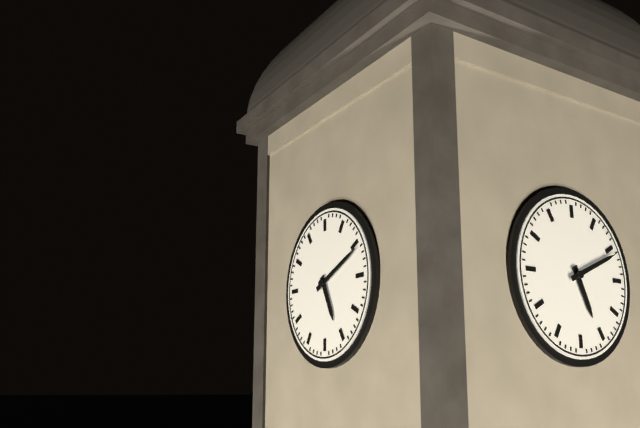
h=5 m=11
